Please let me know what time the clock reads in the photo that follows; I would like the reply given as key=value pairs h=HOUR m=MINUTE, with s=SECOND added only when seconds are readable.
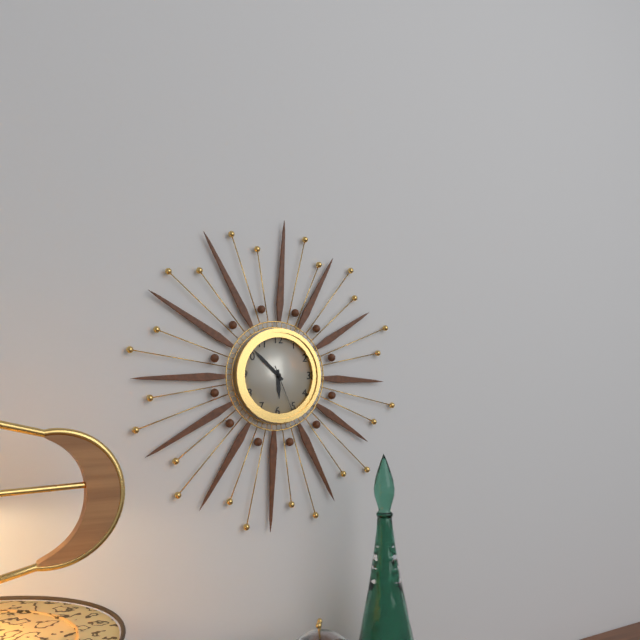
h=5 m=52
